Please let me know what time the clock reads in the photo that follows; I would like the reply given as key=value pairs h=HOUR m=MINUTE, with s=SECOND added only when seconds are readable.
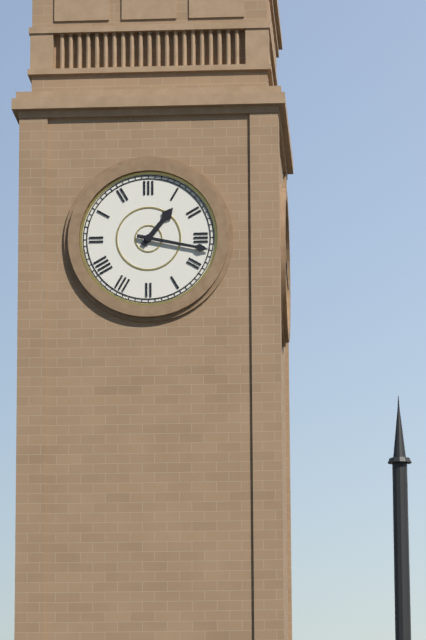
h=1 m=17
